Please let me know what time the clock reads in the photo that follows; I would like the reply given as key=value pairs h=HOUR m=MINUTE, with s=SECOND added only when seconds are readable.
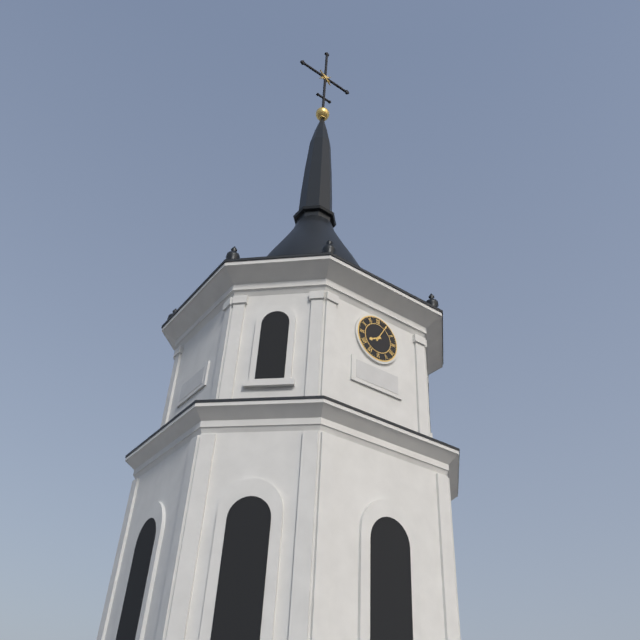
h=8 m=5
